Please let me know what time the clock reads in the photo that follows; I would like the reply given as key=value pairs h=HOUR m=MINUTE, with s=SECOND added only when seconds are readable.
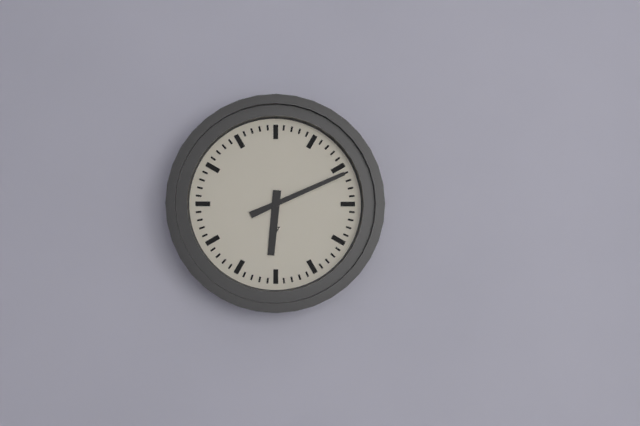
h=6 m=11
